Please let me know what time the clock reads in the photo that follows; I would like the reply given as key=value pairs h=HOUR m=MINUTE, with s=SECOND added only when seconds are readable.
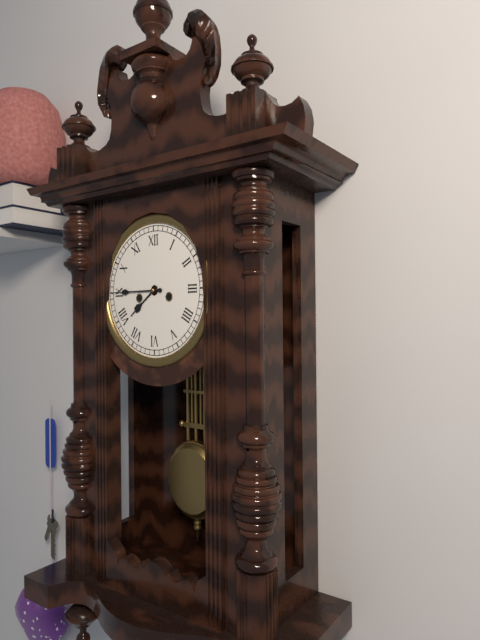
h=7 m=45
